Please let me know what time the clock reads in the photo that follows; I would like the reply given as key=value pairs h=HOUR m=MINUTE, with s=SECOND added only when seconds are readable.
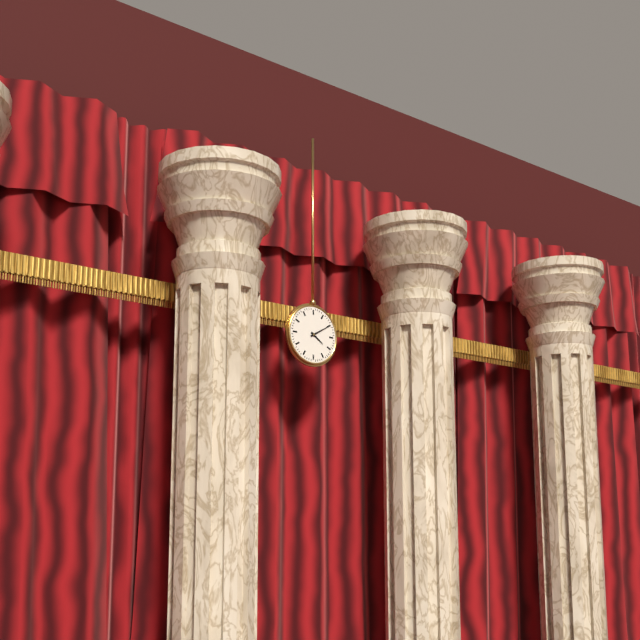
h=4 m=10
